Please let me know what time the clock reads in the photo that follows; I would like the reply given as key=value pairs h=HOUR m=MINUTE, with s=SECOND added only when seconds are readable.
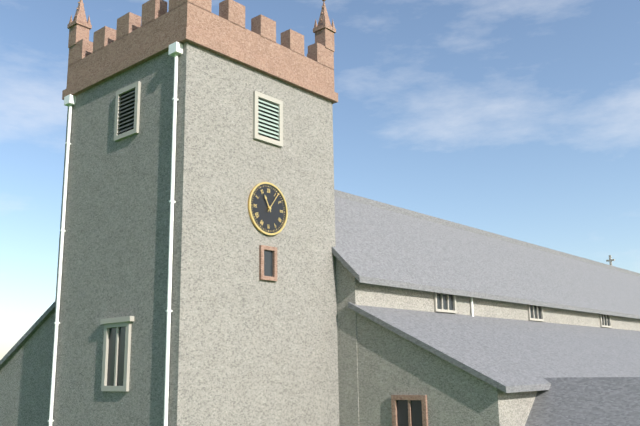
h=11 m=6
